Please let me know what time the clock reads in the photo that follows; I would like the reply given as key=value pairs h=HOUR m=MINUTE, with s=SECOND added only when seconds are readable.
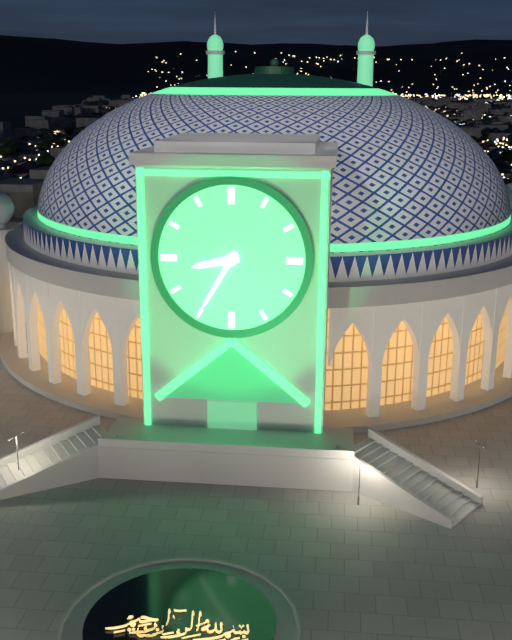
h=8 m=35
